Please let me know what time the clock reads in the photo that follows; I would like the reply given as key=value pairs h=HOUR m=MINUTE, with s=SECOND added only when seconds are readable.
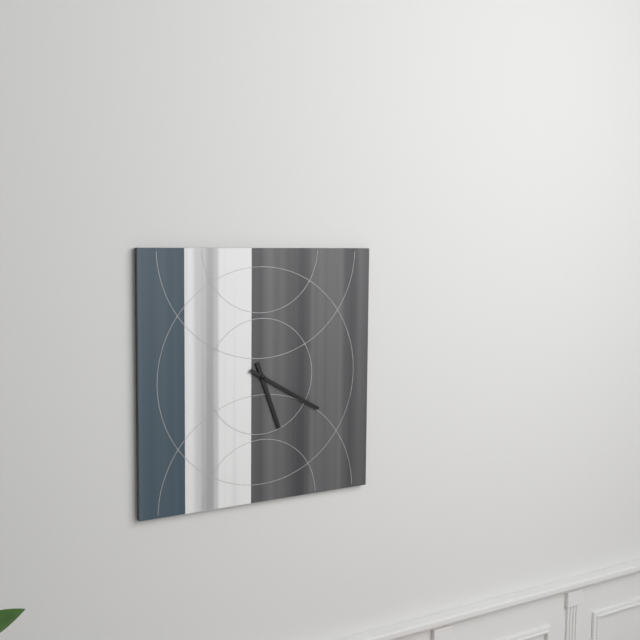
h=5 m=20
